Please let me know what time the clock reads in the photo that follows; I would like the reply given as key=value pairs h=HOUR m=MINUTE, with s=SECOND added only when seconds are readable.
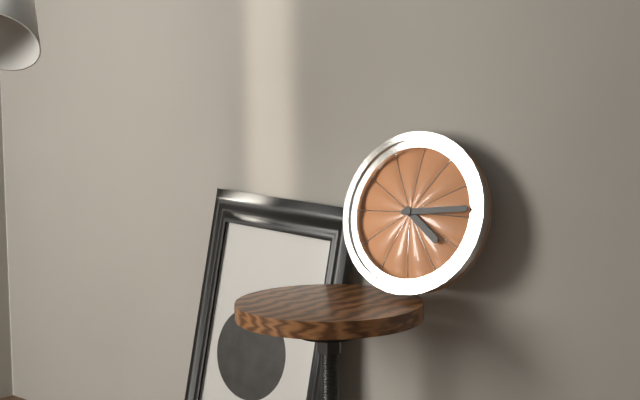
h=4 m=14
